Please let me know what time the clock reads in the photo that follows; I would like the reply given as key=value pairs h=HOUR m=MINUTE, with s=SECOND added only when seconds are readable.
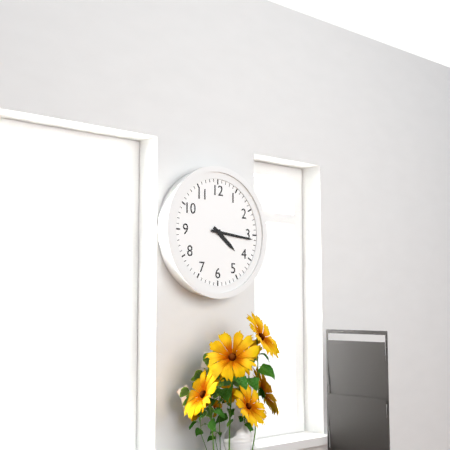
h=4 m=16
